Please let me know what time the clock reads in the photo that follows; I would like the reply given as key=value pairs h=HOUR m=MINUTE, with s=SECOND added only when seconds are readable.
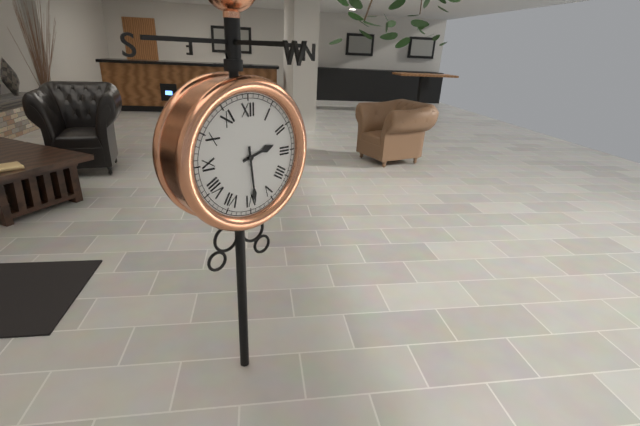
h=2 m=29
